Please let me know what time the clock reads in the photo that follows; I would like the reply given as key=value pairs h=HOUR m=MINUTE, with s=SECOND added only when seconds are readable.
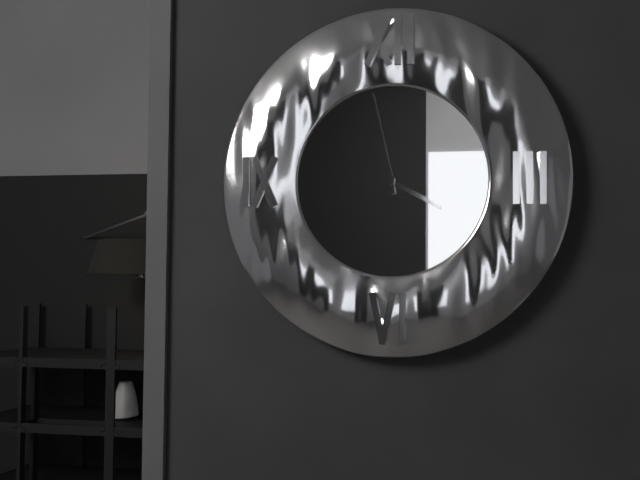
h=3 m=58
